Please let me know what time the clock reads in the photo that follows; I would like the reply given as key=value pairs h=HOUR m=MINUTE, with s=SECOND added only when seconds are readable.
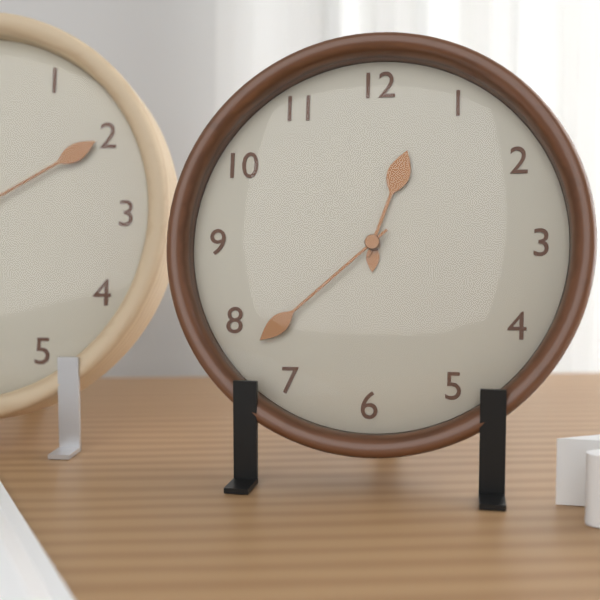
h=12 m=38
